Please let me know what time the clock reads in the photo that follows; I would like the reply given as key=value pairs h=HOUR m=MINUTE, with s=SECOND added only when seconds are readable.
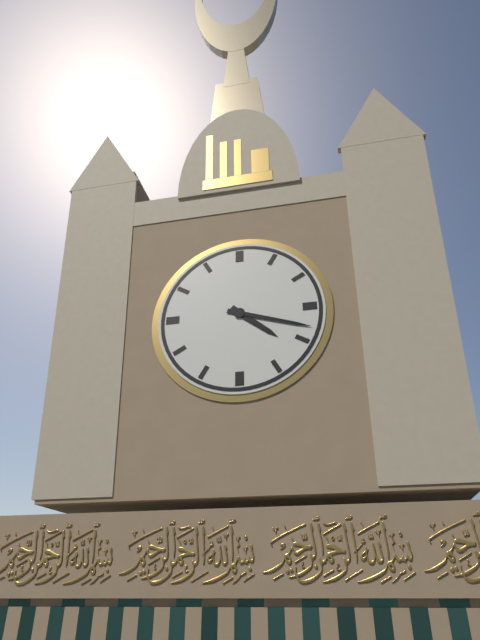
h=4 m=18
